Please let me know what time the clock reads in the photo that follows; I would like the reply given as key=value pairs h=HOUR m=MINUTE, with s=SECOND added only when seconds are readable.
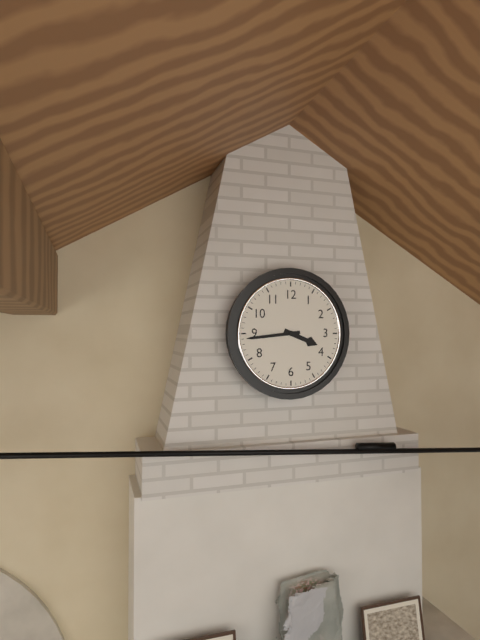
h=3 m=44
